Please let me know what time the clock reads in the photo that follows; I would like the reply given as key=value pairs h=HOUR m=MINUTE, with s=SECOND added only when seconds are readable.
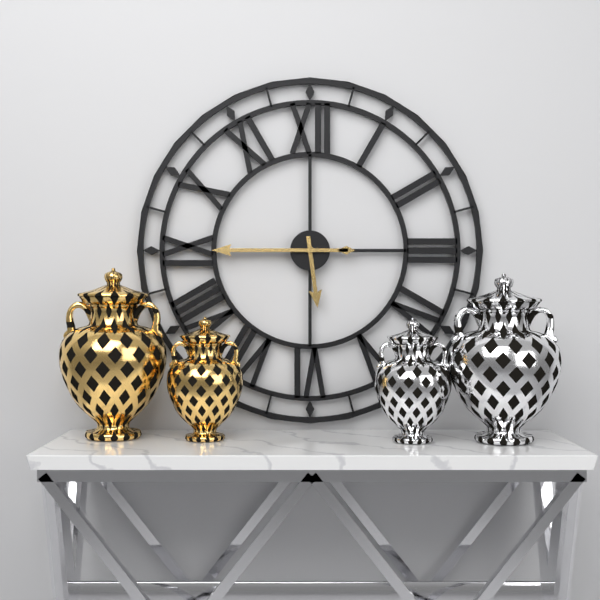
h=5 m=45
